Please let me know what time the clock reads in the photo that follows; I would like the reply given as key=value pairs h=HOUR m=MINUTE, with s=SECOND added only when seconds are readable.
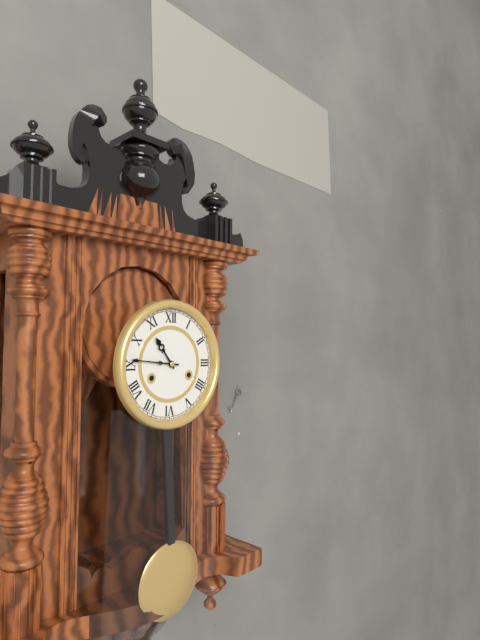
h=10 m=46
